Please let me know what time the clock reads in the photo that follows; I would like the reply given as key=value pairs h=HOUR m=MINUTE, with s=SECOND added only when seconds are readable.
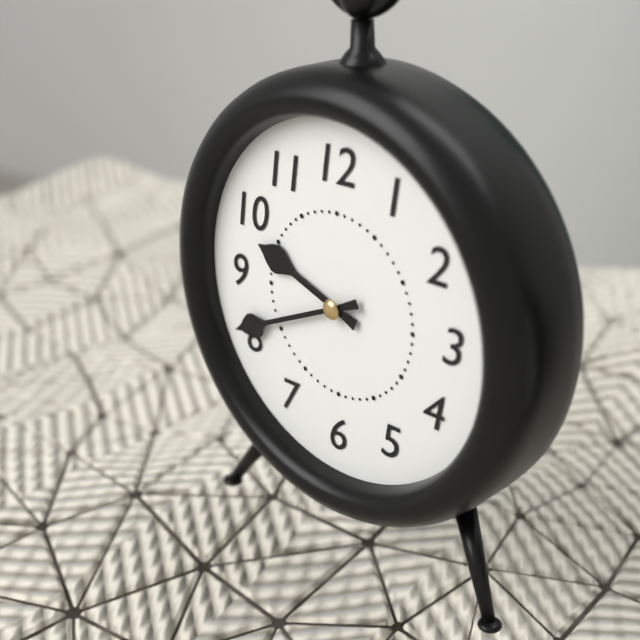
h=9 m=41
